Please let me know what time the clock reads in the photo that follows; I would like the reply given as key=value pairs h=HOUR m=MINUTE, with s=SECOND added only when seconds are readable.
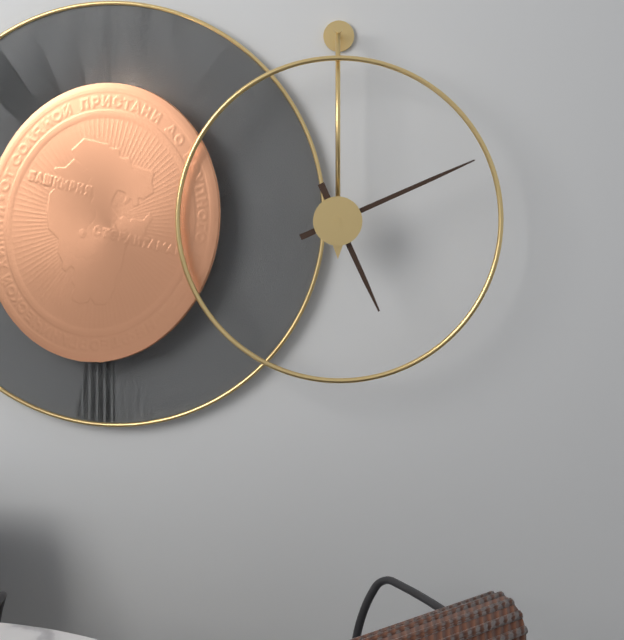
h=5 m=11
